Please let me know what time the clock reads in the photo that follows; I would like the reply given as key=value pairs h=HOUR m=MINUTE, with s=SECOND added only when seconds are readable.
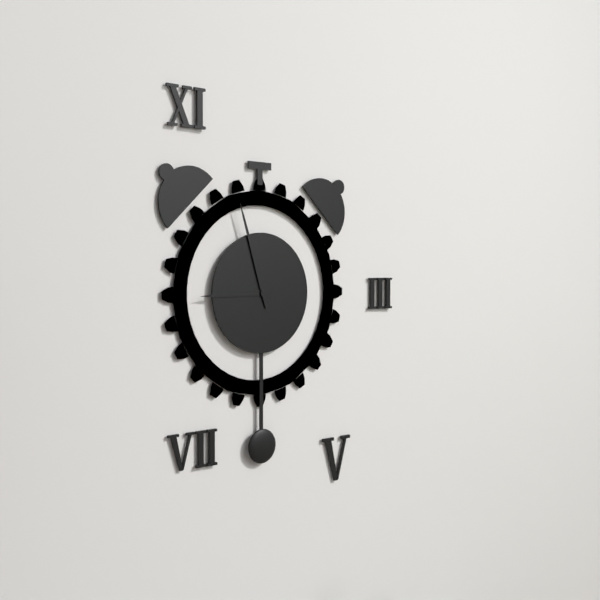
h=8 m=57
